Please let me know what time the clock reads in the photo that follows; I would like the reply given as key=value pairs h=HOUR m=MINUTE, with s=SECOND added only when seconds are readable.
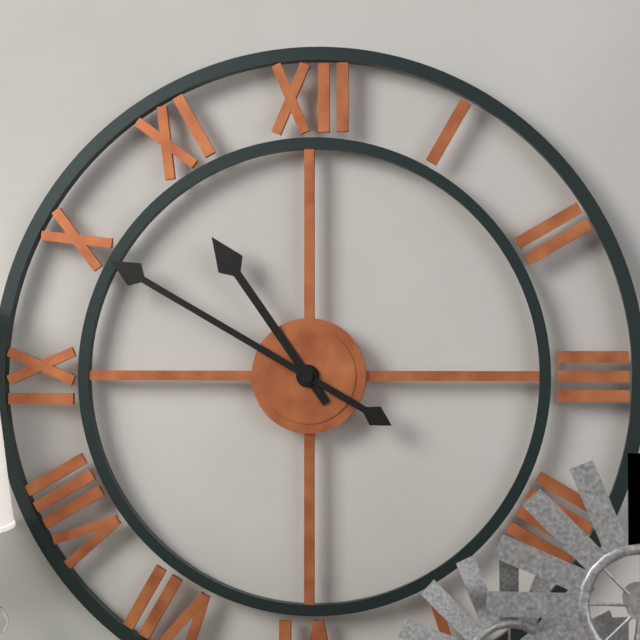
h=10 m=50
